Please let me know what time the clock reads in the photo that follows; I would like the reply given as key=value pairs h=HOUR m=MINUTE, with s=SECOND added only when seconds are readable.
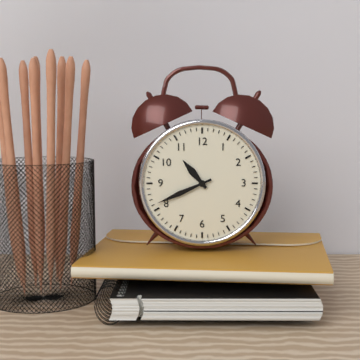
h=10 m=41
